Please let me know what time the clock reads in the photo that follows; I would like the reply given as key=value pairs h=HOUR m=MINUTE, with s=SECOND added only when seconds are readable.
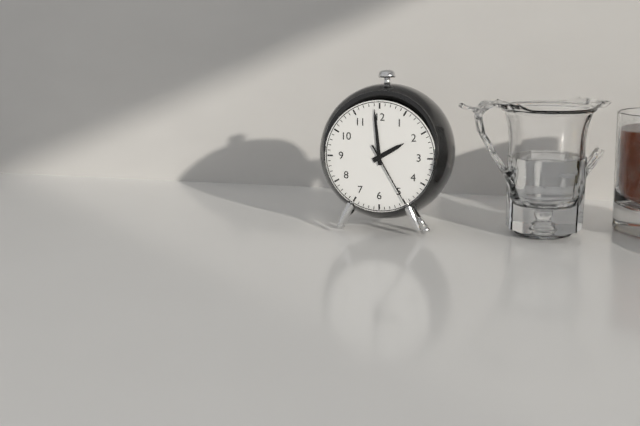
h=1 m=59 s=25
